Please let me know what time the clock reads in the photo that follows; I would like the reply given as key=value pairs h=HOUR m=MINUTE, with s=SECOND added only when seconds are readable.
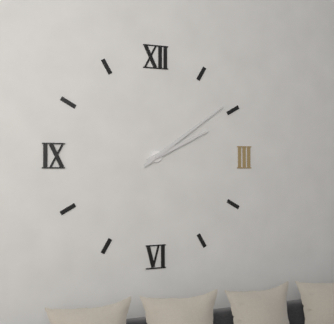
h=2 m=9
